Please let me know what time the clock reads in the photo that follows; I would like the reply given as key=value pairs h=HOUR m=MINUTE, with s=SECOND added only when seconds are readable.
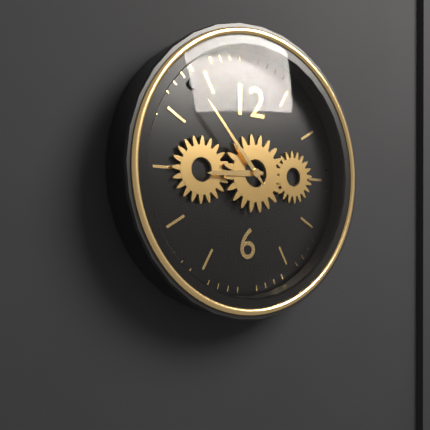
h=8 m=53
